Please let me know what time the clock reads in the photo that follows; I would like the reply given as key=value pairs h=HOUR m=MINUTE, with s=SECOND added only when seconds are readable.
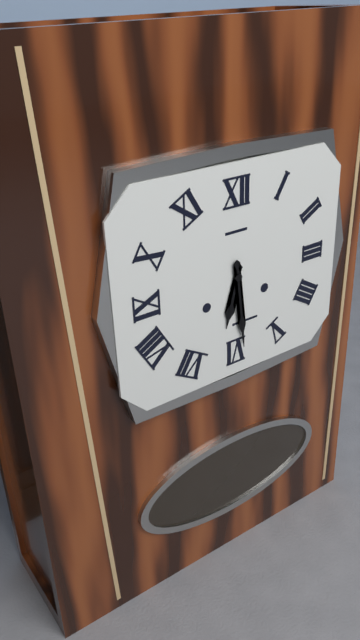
h=6 m=29
